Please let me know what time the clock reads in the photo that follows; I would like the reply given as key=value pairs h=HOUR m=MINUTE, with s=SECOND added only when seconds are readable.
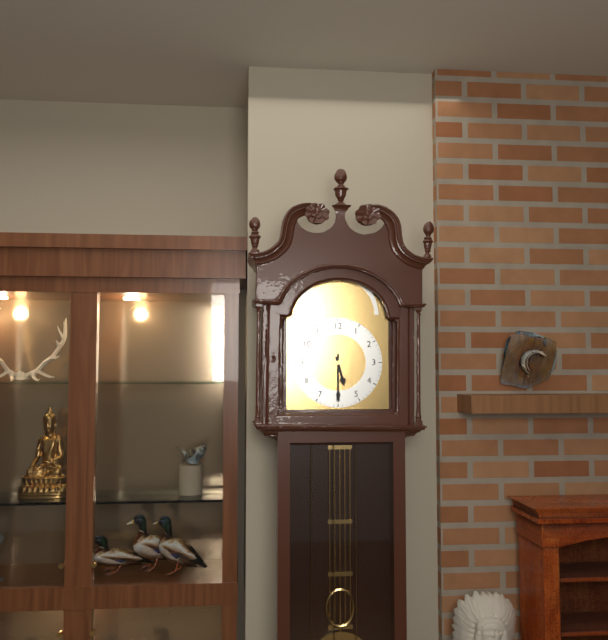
h=5 m=30
